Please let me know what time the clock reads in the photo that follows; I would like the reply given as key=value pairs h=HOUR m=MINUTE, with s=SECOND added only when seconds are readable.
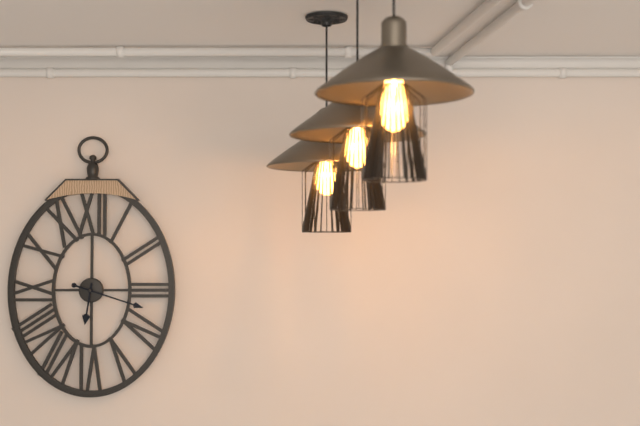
h=6 m=18
